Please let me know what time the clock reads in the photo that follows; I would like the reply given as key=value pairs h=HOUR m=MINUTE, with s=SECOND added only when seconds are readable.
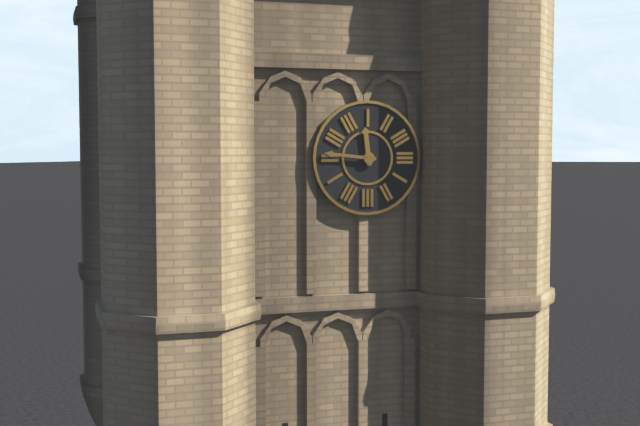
h=11 m=46
